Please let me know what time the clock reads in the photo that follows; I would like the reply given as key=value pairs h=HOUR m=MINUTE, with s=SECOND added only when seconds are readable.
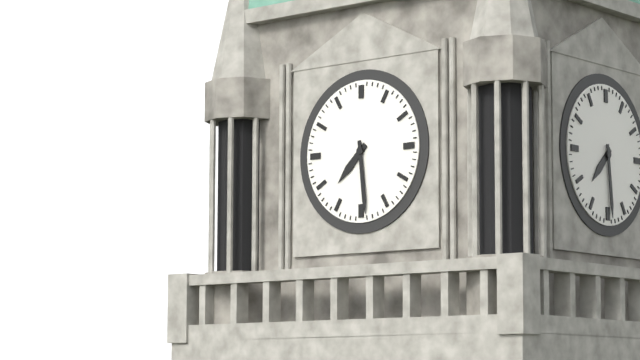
h=7 m=29
